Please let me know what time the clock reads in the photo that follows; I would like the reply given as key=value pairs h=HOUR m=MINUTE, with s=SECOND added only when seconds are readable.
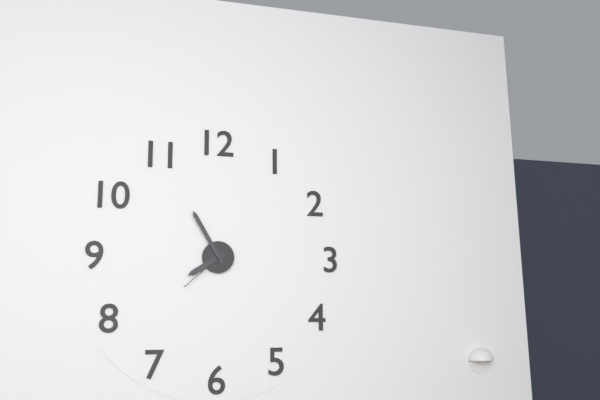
h=7 m=55 s=38
